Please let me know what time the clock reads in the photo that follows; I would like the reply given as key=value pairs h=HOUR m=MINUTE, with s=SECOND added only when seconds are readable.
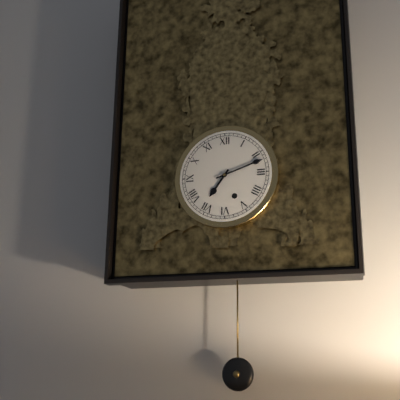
h=7 m=12
